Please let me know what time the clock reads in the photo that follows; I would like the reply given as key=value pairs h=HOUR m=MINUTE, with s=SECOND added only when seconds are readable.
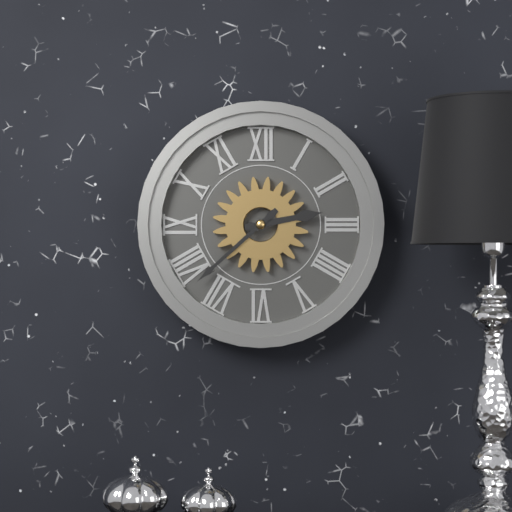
h=2 m=38
